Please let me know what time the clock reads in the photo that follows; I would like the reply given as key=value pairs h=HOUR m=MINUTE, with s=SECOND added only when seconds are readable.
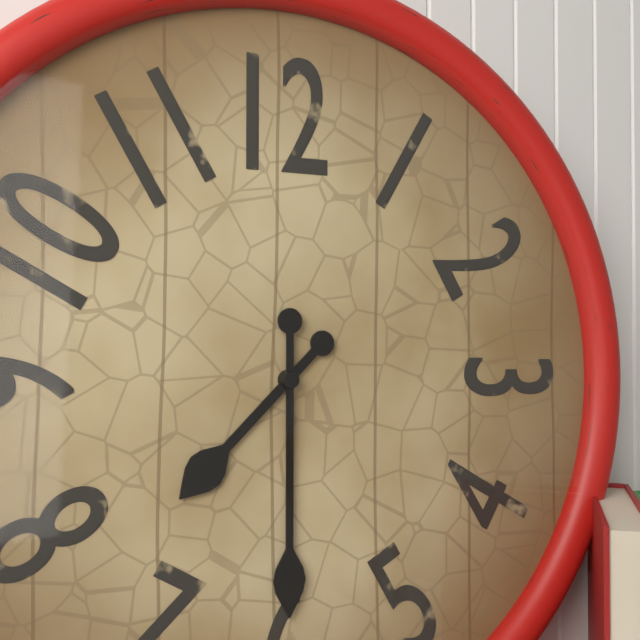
h=7 m=30
